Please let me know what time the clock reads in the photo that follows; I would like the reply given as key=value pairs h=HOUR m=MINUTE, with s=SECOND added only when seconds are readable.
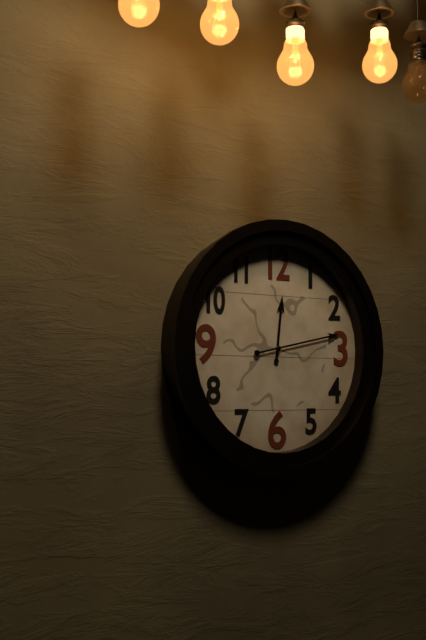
h=12 m=13
